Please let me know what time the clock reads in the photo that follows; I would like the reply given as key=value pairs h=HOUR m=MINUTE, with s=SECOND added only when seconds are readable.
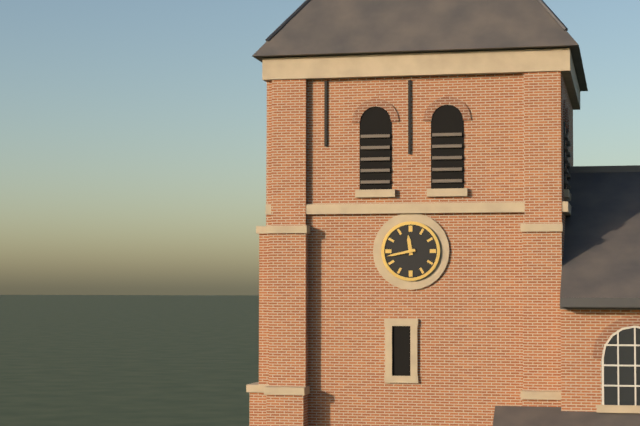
h=11 m=43
